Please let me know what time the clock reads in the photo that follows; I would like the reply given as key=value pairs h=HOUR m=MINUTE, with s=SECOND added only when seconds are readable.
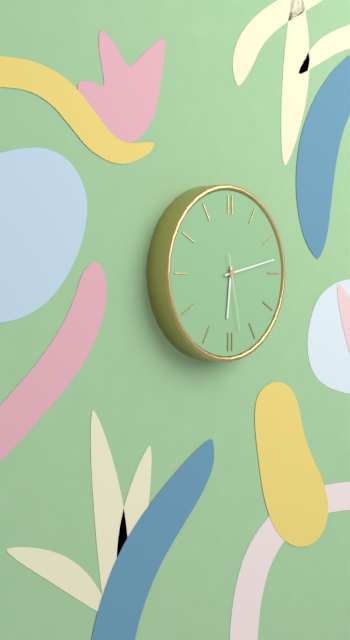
h=6 m=13 s=28
